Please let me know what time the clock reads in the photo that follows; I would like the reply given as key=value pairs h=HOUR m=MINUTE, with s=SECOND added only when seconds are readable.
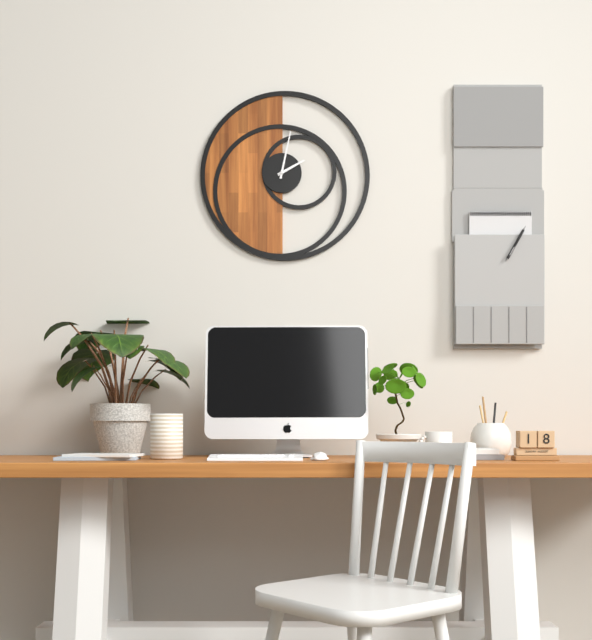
h=2 m=2
